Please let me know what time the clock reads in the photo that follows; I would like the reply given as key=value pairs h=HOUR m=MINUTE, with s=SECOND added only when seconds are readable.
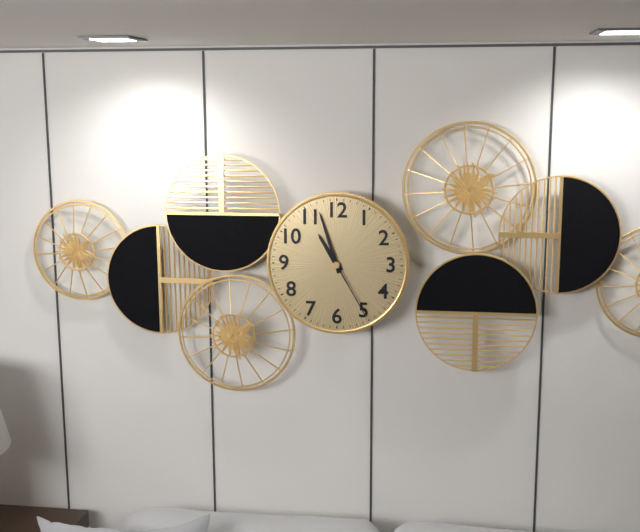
h=10 m=57 s=25
